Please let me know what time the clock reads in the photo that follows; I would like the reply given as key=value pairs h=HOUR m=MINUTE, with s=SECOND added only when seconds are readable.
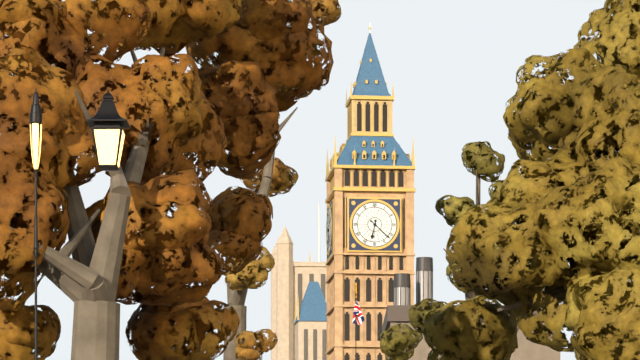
h=6 m=22
